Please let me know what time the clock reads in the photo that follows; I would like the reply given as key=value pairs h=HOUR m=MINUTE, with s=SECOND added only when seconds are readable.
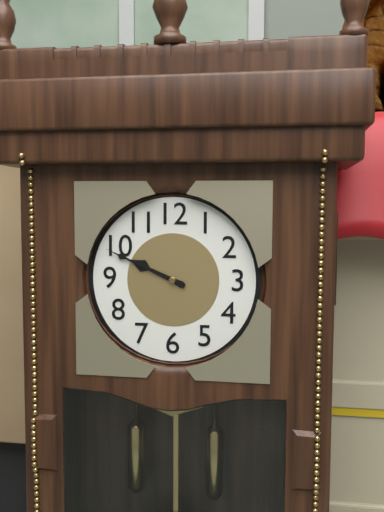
h=9 m=49
